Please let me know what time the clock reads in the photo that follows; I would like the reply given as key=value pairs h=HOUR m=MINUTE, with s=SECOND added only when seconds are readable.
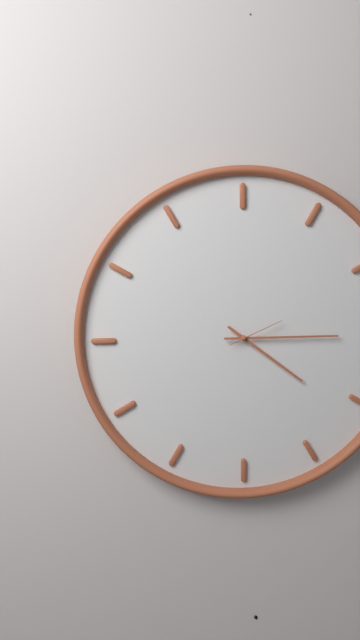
h=4 m=15 s=11
